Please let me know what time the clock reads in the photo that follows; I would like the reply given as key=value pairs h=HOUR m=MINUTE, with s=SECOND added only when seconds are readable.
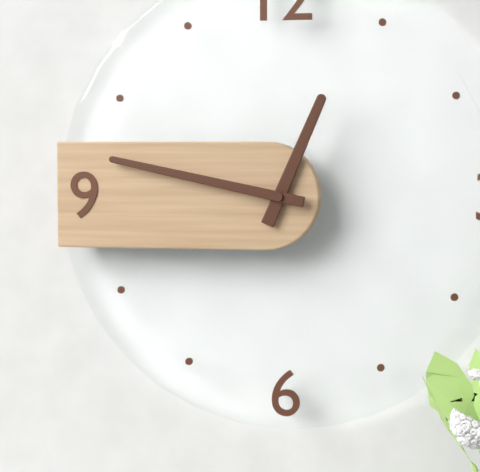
h=12 m=47
